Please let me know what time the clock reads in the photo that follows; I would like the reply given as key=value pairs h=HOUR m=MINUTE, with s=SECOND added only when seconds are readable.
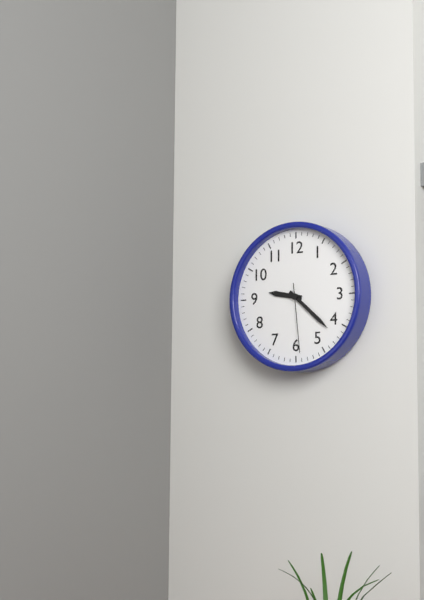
h=9 m=22 s=29
